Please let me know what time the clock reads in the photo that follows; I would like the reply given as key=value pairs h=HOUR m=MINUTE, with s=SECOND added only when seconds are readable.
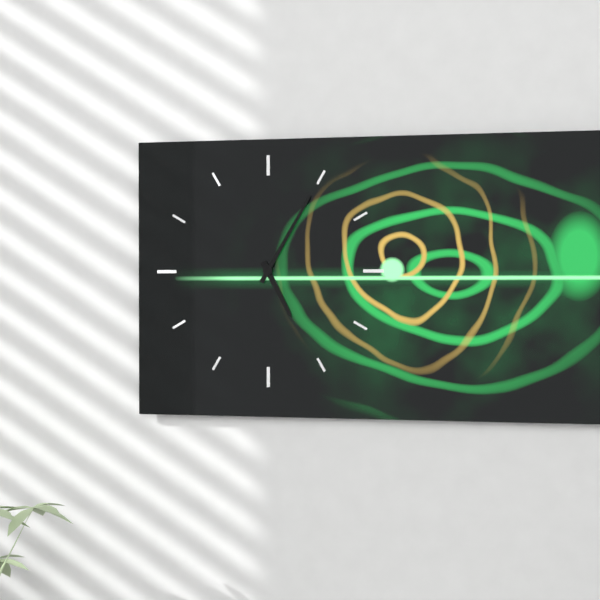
h=5 m=5
